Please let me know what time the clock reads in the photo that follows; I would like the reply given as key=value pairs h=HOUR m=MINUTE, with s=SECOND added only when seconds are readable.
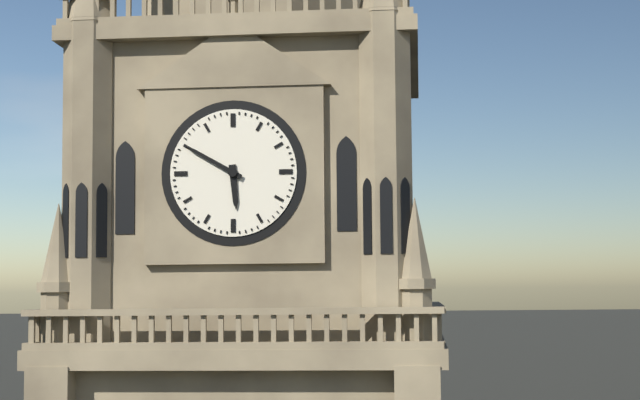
h=5 m=50
